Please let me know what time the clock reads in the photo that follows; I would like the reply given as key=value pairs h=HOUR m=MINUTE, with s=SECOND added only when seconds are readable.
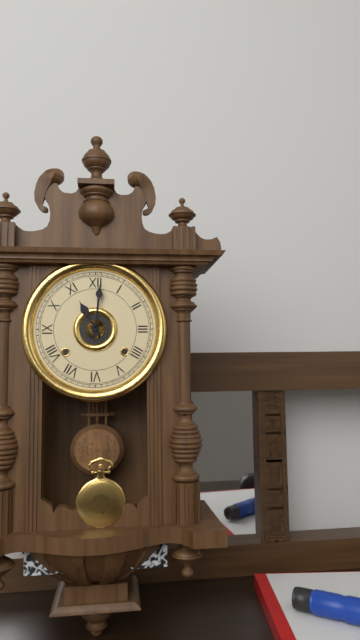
h=11 m=1
